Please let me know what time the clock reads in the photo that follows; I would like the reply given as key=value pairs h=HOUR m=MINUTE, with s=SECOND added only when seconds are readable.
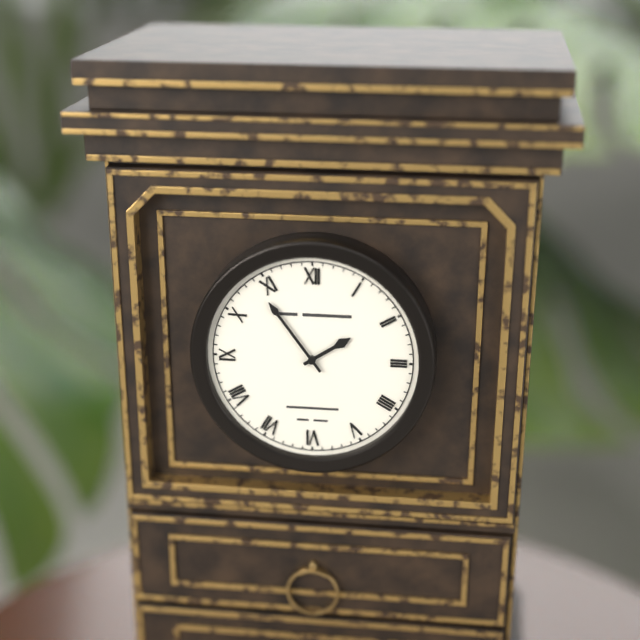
h=1 m=54
